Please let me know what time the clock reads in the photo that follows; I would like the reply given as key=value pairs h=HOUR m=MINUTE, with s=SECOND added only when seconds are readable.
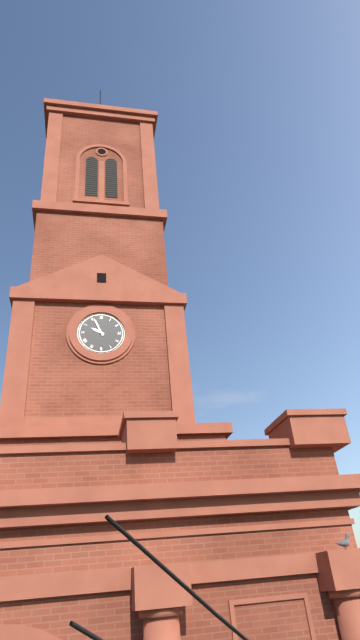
h=9 m=56
